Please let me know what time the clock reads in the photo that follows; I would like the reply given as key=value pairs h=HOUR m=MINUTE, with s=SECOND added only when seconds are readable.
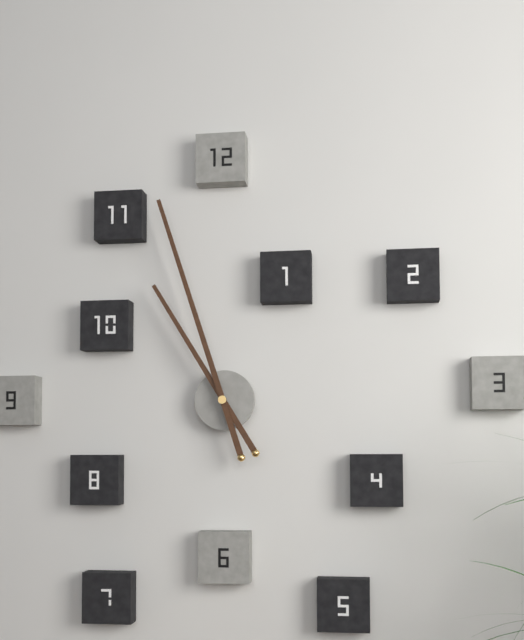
h=10 m=57
